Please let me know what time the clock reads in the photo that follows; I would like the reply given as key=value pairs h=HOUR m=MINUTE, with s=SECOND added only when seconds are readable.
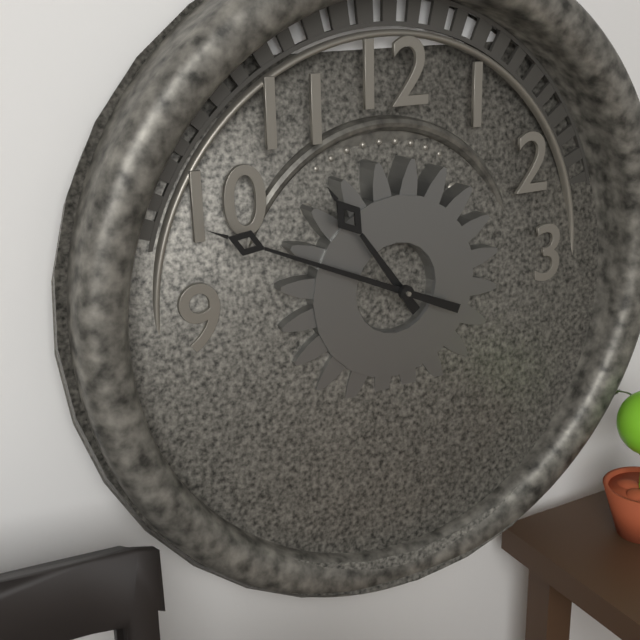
h=10 m=49
